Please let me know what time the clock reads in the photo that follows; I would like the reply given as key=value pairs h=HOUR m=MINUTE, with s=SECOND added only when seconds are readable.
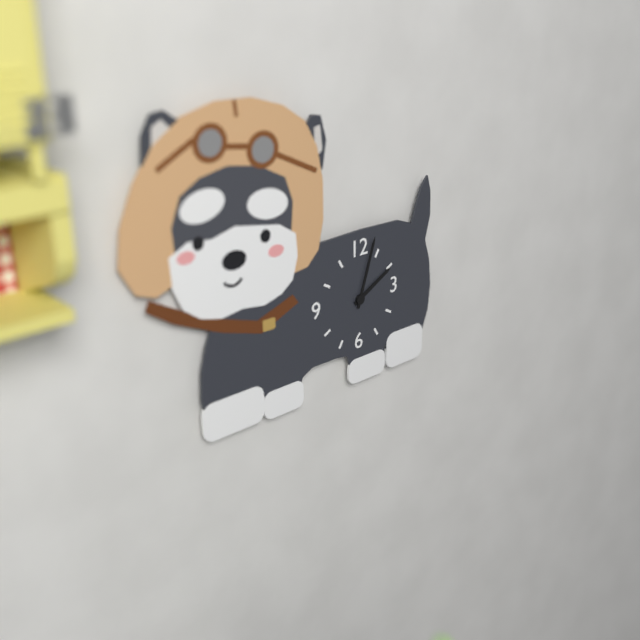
h=2 m=3
